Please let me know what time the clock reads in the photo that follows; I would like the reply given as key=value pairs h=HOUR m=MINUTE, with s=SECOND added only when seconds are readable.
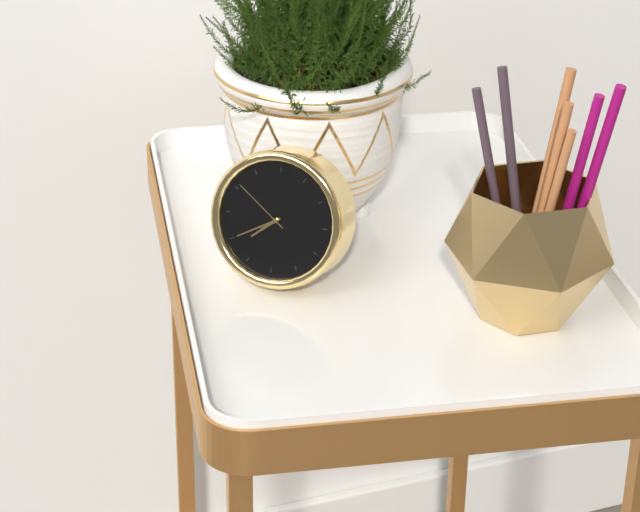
h=7 m=40 s=51
